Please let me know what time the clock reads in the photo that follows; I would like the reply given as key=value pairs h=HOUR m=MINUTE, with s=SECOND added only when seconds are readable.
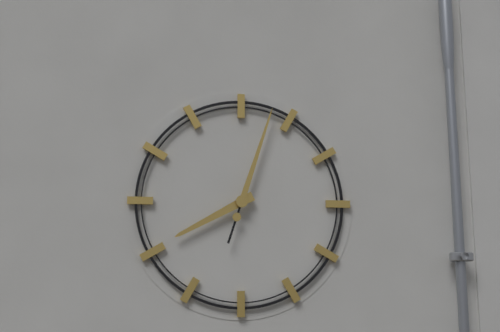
h=8 m=3
